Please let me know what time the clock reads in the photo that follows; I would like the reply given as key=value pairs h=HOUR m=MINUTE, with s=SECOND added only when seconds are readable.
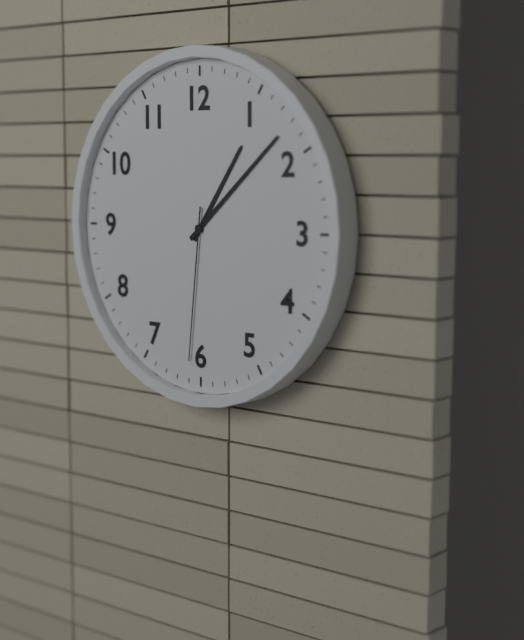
h=1 m=8 s=31
